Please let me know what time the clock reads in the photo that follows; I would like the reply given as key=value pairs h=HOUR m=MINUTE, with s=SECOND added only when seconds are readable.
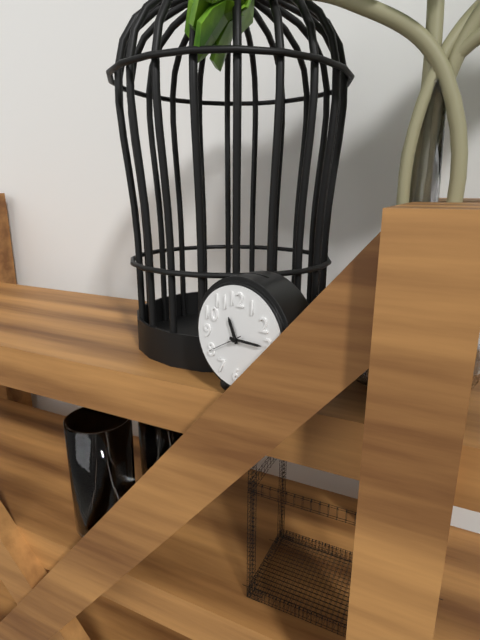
h=11 m=15
